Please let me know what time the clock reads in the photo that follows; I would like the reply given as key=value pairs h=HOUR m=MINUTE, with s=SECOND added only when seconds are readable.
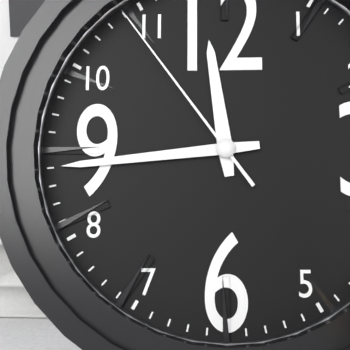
h=11 m=44 s=54
